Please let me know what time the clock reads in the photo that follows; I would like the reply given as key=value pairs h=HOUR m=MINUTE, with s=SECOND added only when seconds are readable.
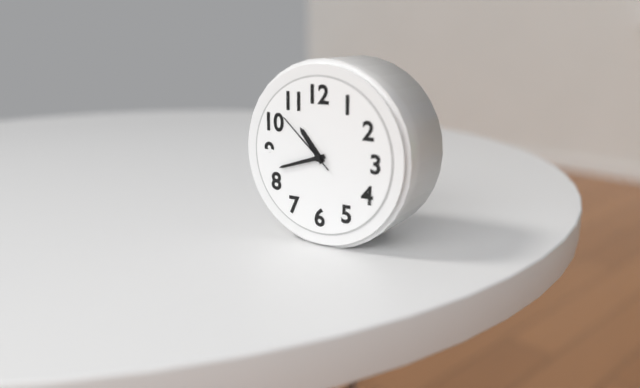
h=10 m=42 s=52
